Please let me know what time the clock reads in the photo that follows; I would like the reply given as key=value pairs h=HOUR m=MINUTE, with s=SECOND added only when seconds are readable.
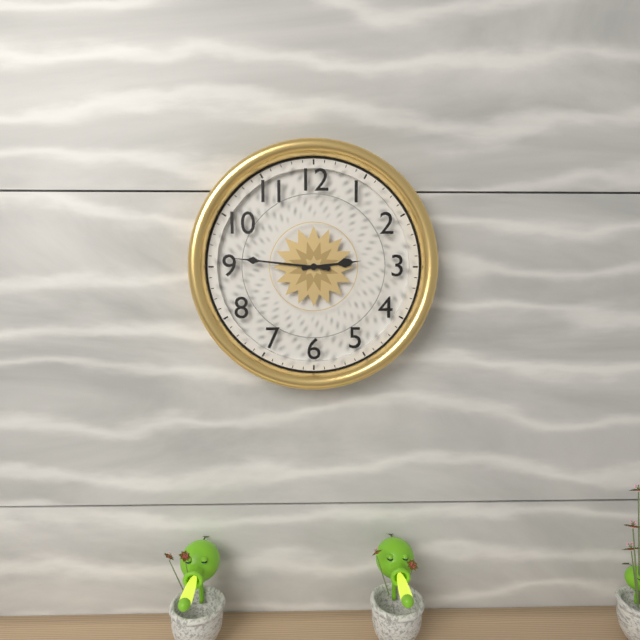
h=2 m=46
